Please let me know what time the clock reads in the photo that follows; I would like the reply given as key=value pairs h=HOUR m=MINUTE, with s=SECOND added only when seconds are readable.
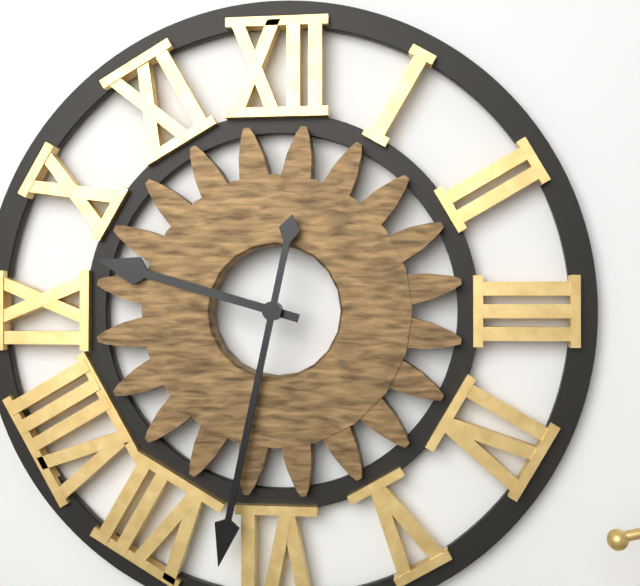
h=9 m=32
